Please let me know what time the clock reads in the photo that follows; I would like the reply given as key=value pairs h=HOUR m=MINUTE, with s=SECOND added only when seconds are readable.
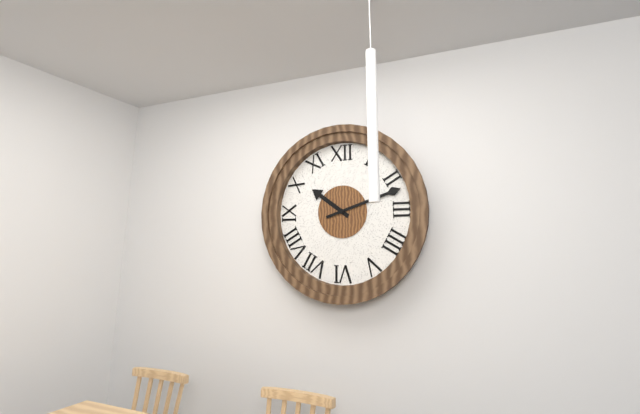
h=10 m=12
